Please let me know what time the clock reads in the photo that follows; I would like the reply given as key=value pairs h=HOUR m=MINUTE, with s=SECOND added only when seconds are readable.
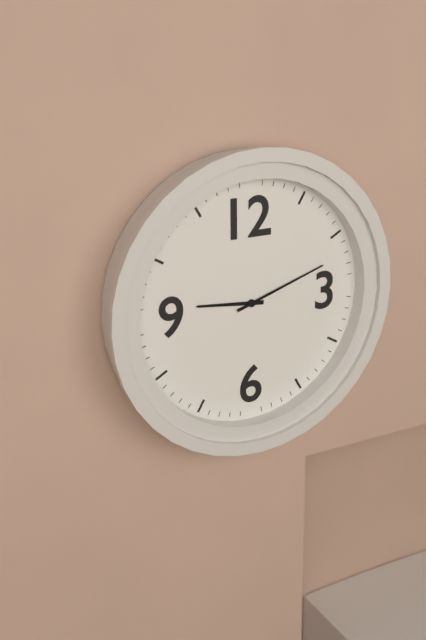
h=9 m=12
